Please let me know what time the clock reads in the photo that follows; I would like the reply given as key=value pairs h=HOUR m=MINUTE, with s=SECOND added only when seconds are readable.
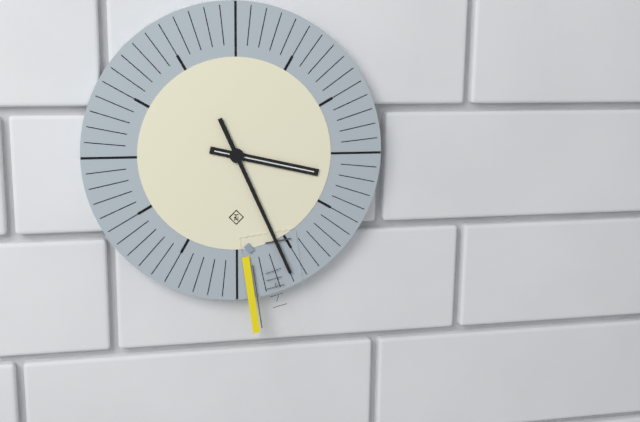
h=3 m=26
